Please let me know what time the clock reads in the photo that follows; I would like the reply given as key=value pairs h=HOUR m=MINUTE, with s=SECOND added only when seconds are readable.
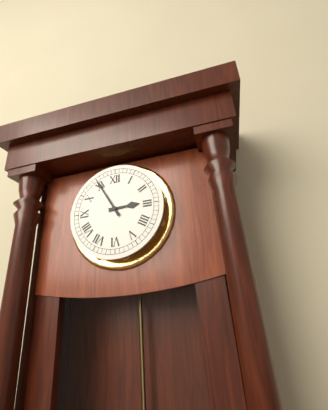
h=2 m=55
